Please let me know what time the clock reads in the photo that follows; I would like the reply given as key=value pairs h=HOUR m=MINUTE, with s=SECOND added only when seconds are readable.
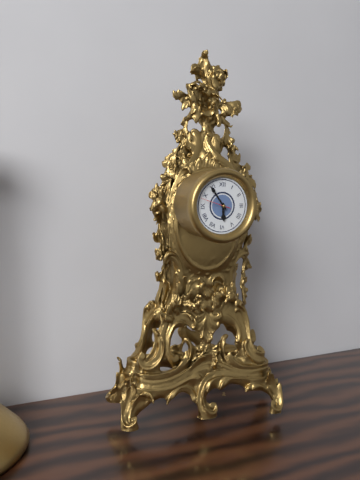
h=5 m=54
